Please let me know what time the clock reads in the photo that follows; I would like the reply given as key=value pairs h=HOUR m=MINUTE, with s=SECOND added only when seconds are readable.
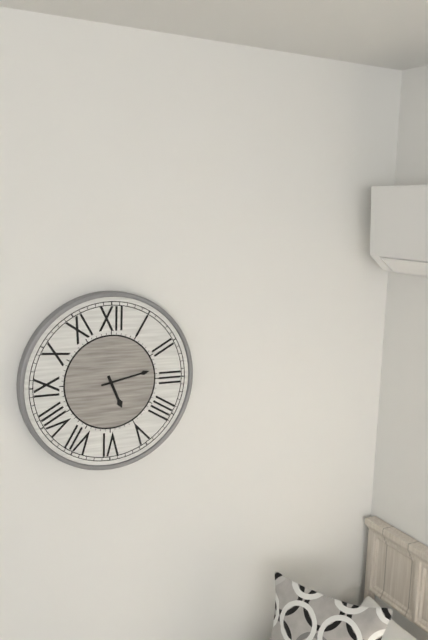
h=5 m=13
